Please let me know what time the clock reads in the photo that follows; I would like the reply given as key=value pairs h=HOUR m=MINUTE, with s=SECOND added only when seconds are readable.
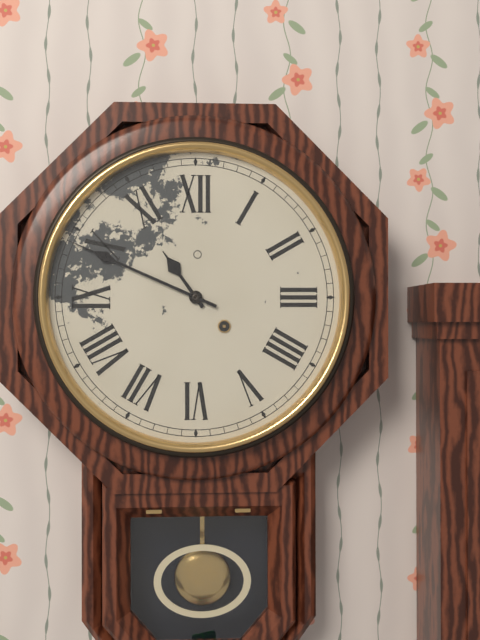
h=10 m=49
